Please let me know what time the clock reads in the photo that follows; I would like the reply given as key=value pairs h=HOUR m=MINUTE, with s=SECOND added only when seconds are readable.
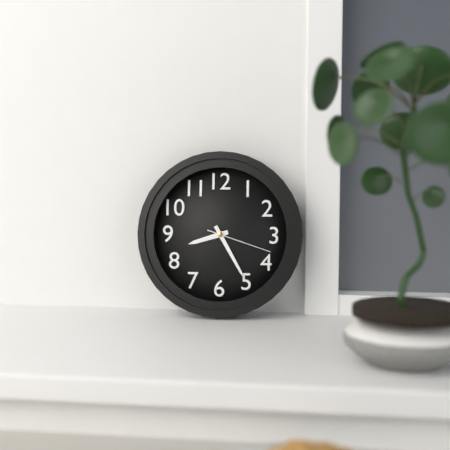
h=8 m=25 s=18
